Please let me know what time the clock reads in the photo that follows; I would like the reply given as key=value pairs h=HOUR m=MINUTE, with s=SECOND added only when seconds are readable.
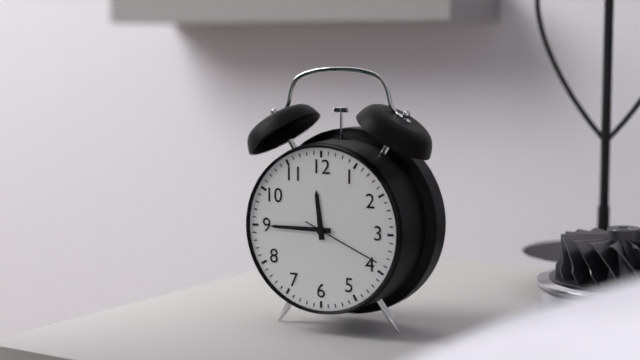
h=11 m=45 s=19
